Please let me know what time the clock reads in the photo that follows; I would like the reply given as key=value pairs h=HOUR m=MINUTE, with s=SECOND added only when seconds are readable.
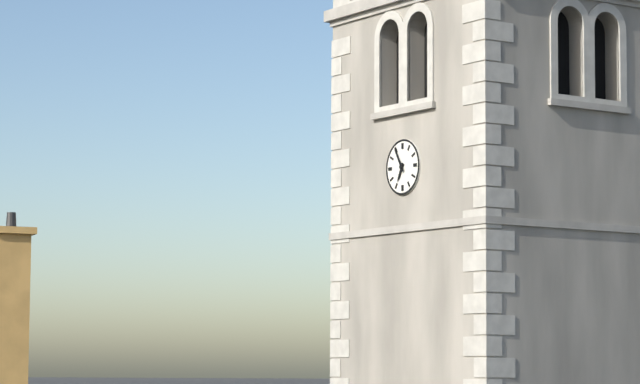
h=6 m=55
